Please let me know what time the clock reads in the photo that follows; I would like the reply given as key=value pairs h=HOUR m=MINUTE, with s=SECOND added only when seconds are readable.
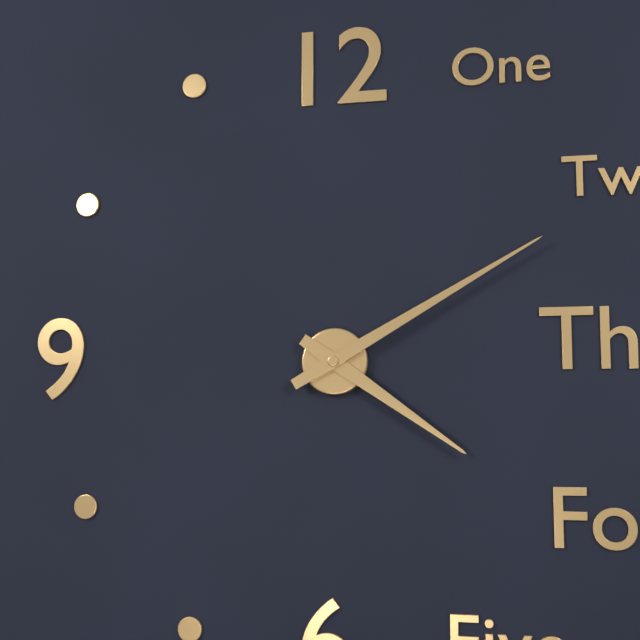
h=4 m=10
